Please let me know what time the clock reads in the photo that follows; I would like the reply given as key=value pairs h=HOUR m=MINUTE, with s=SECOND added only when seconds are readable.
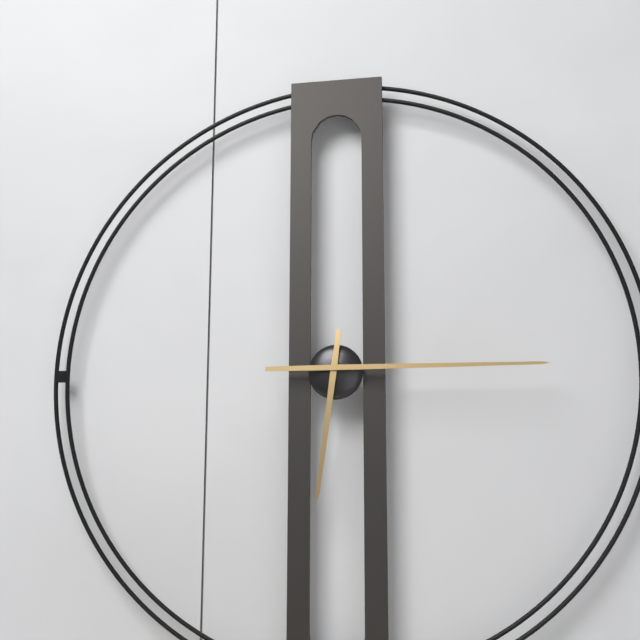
h=6 m=15
